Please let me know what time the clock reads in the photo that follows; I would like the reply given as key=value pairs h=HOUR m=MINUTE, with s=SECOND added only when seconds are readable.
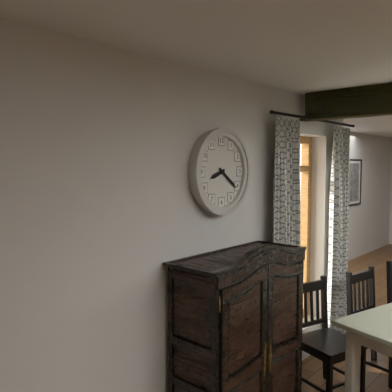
h=8 m=21
